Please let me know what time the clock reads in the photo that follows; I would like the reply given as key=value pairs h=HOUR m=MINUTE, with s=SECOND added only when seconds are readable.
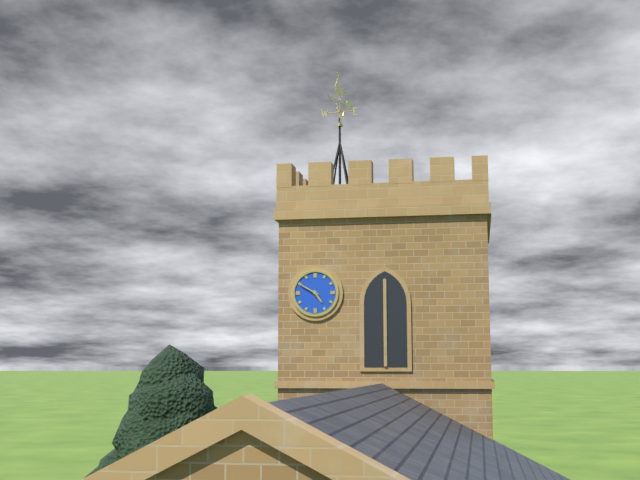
h=4 m=50
